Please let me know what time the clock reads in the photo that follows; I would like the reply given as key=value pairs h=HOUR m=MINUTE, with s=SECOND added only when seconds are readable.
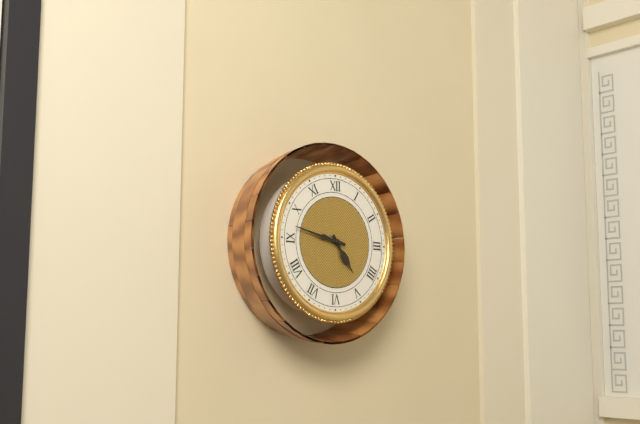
h=4 m=47
